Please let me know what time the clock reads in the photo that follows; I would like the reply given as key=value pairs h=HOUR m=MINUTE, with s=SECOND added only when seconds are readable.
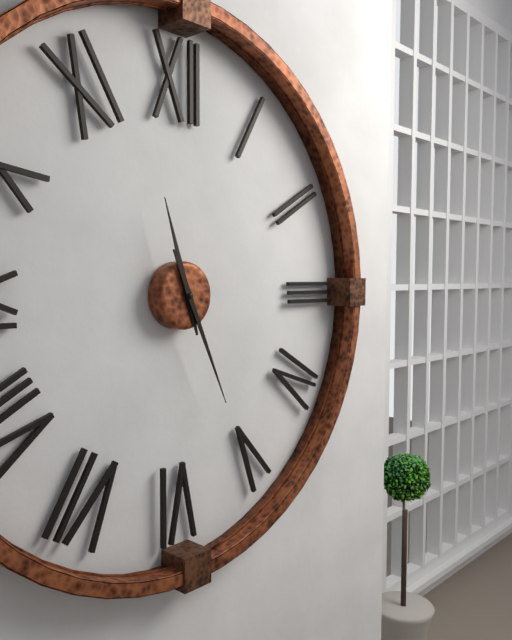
h=11 m=26
